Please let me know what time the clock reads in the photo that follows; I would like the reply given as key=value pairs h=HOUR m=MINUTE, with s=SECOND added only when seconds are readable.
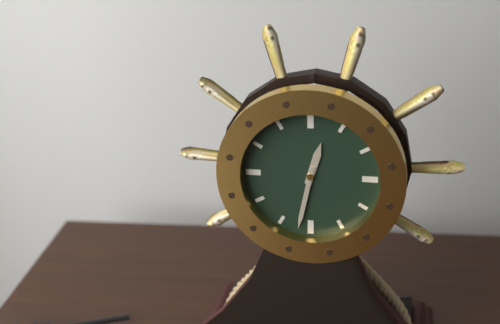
h=12 m=32
